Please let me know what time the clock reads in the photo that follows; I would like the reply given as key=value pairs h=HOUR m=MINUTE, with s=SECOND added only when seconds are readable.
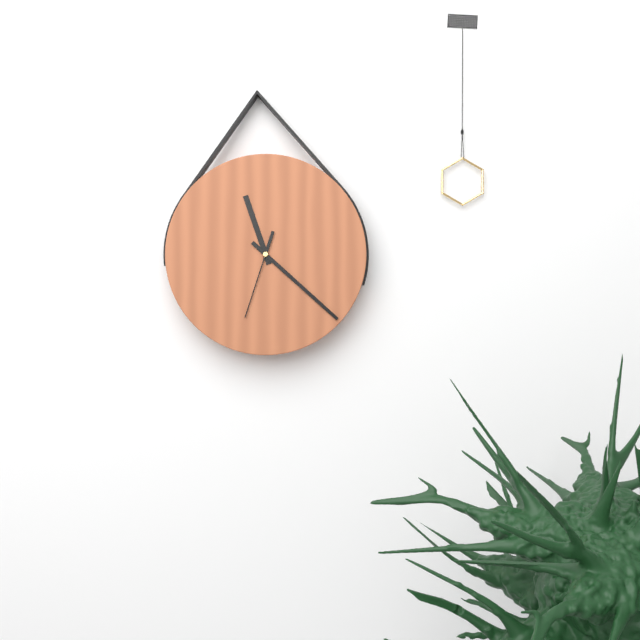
h=11 m=22 s=33
